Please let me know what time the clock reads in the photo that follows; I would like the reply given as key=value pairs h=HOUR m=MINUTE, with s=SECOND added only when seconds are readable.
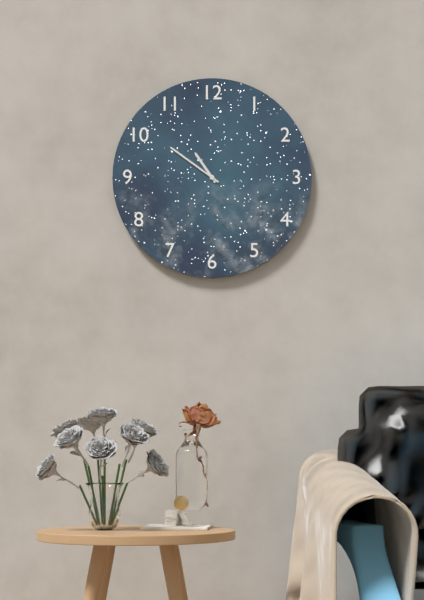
h=10 m=51
